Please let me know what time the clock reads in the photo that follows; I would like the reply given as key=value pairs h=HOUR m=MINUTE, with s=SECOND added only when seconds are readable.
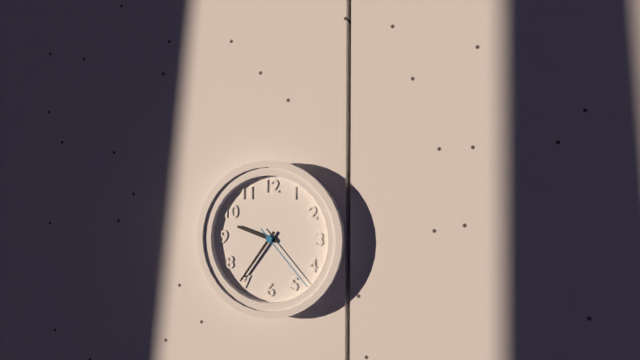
h=9 m=36 s=23
